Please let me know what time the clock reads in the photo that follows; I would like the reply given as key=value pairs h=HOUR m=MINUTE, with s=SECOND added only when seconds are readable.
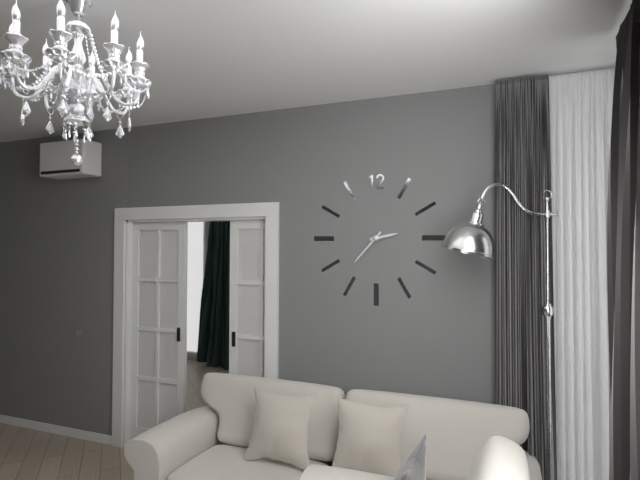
h=2 m=37
